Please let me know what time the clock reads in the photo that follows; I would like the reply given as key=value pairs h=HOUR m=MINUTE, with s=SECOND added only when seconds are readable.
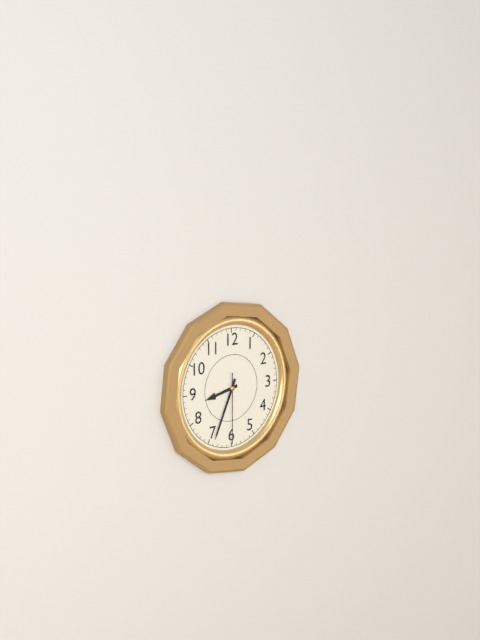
h=8 m=34 s=30
